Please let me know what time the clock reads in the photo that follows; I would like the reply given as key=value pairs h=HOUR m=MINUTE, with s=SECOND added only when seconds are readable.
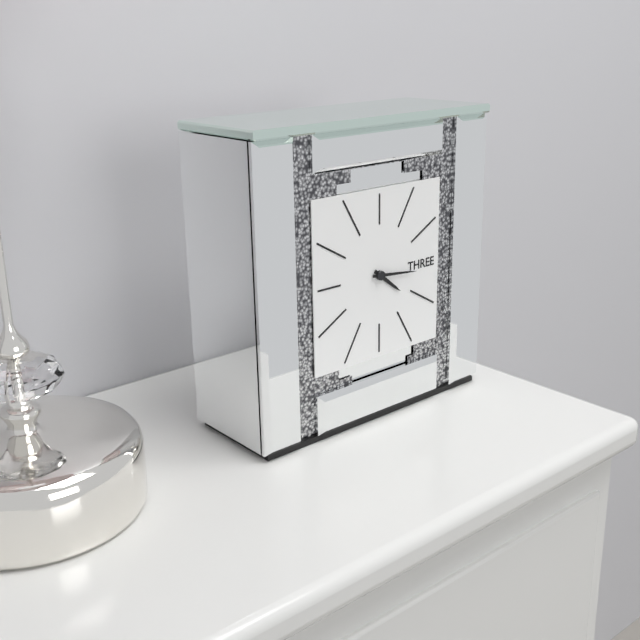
h=4 m=16
